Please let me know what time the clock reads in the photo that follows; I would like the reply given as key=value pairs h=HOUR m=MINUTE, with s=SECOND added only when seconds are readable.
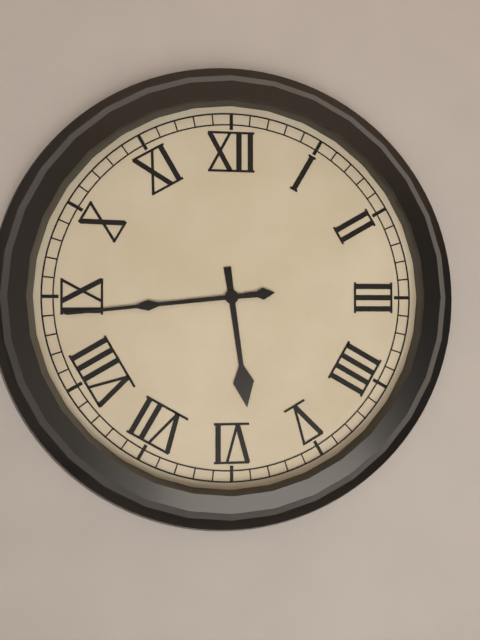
h=5 m=44
